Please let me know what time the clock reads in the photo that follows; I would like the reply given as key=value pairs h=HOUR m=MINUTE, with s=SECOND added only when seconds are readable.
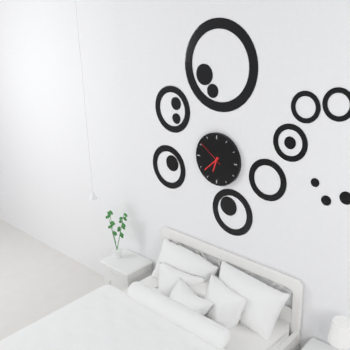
h=6 m=38
